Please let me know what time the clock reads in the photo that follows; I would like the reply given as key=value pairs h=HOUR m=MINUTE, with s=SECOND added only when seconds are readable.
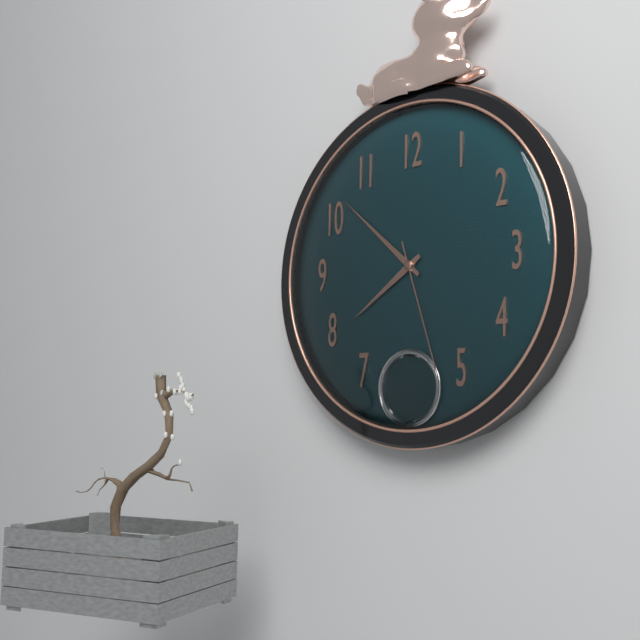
h=7 m=52 s=27
